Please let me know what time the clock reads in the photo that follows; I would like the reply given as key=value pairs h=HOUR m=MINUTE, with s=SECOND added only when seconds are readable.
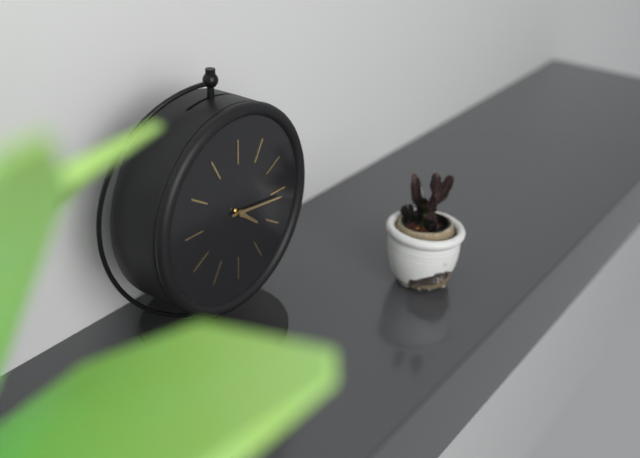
h=4 m=16
